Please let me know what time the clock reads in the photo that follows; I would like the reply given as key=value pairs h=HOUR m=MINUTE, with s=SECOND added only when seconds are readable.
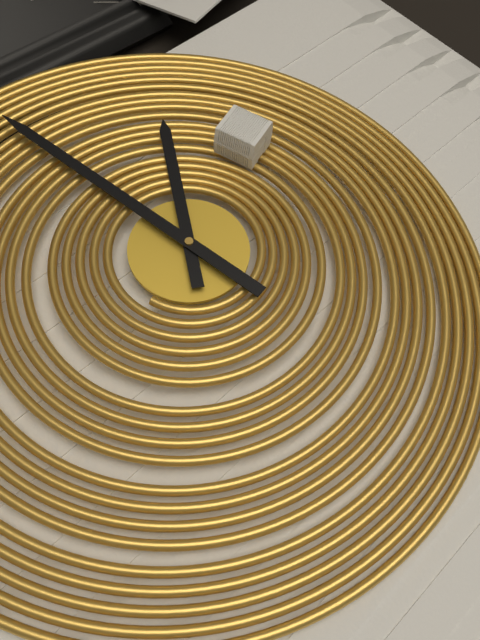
h=12 m=58
